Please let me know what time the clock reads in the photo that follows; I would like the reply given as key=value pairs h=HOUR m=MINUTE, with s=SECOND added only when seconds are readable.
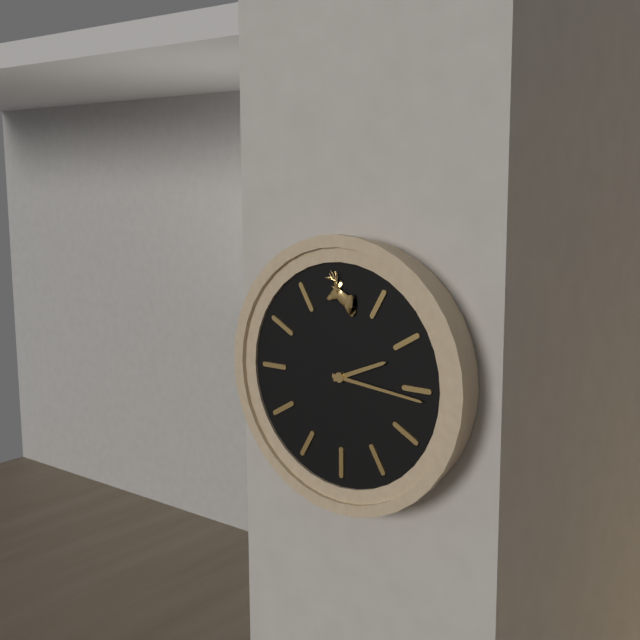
h=2 m=16
